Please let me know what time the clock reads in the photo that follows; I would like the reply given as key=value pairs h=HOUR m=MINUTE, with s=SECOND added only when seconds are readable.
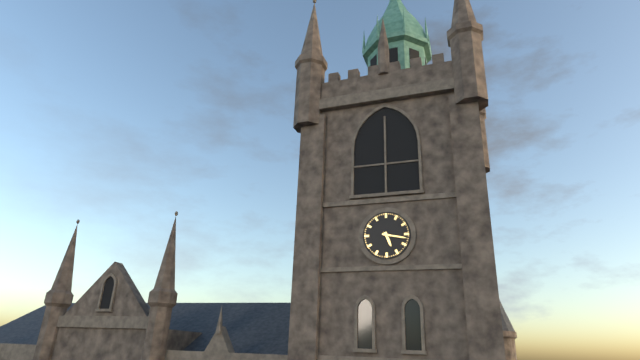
h=5 m=17
